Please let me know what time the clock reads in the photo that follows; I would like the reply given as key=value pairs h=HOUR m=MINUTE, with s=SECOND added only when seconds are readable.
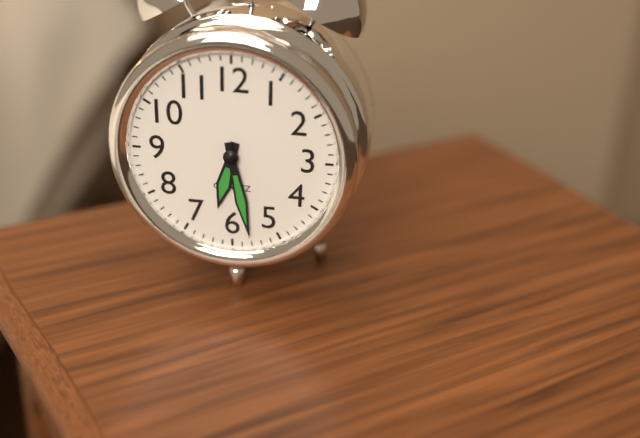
h=6 m=28
